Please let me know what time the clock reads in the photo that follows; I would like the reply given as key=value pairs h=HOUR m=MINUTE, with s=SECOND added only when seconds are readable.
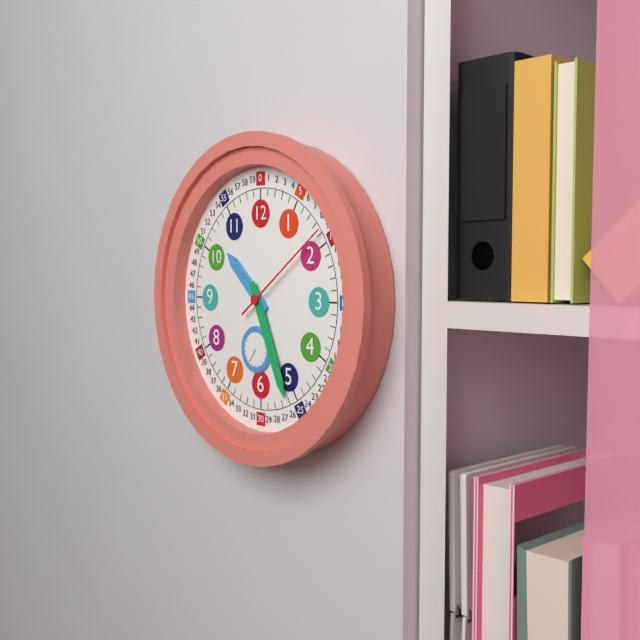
h=10 m=26 s=9
